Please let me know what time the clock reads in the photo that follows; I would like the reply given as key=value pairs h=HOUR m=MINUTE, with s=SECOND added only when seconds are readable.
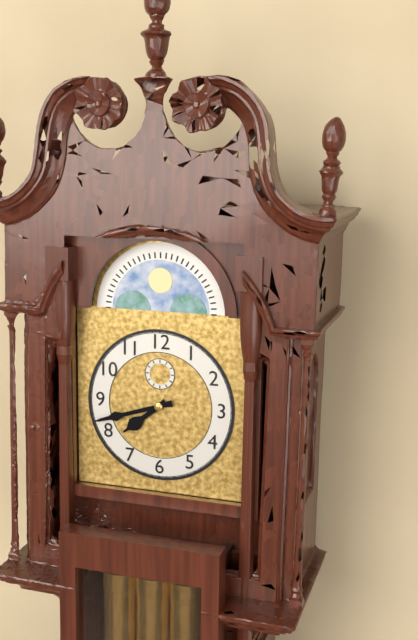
h=7 m=42
